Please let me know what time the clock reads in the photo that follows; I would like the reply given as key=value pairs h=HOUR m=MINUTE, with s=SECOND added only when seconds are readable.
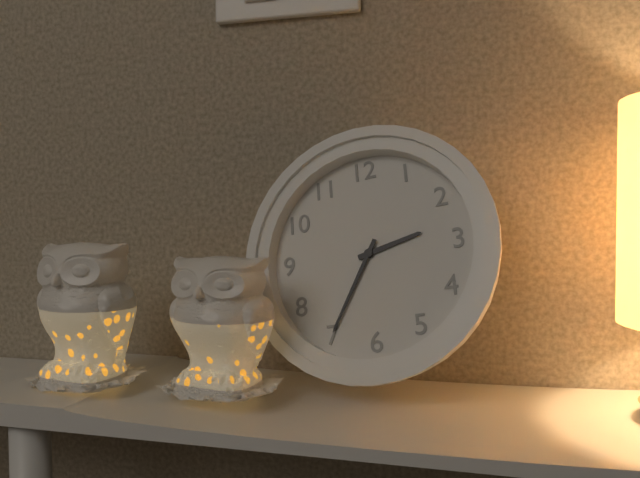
h=2 m=35
